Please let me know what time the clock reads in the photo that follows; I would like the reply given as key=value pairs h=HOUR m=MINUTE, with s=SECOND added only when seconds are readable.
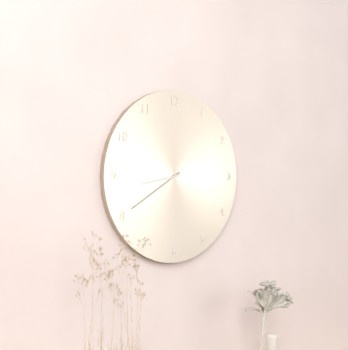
h=8 m=40
